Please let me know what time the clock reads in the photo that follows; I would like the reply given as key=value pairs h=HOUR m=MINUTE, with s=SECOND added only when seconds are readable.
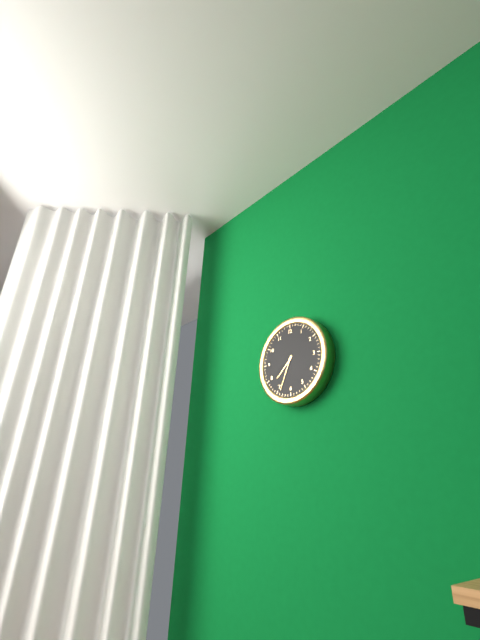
h=7 m=34
